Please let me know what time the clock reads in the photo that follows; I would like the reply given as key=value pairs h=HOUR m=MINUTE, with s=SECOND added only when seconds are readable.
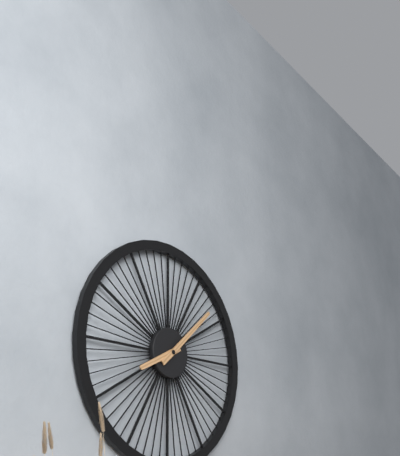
h=8 m=8
